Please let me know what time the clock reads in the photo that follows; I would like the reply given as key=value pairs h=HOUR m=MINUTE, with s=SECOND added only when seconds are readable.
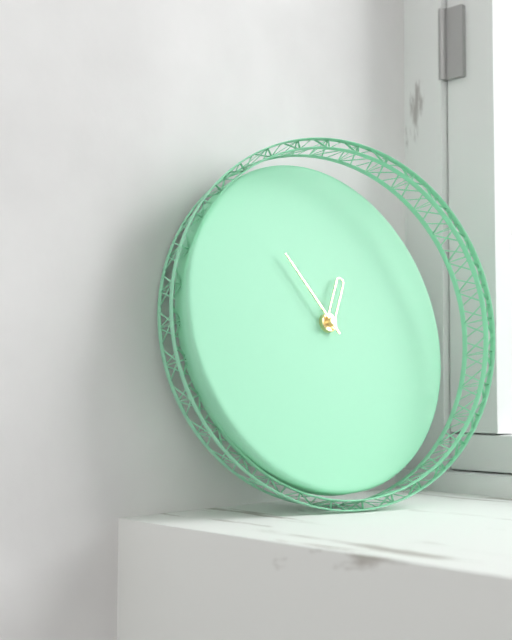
h=12 m=54
